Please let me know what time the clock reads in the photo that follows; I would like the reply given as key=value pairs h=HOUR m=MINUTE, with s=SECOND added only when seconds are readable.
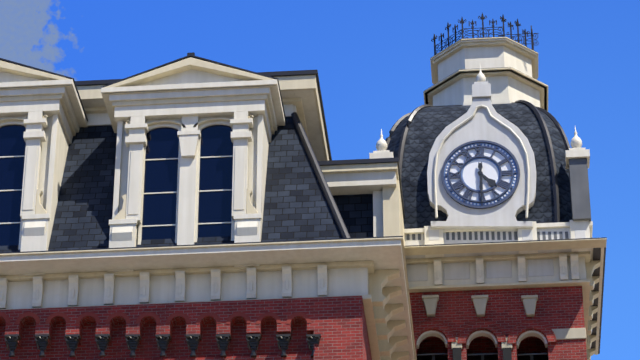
h=4 m=30
